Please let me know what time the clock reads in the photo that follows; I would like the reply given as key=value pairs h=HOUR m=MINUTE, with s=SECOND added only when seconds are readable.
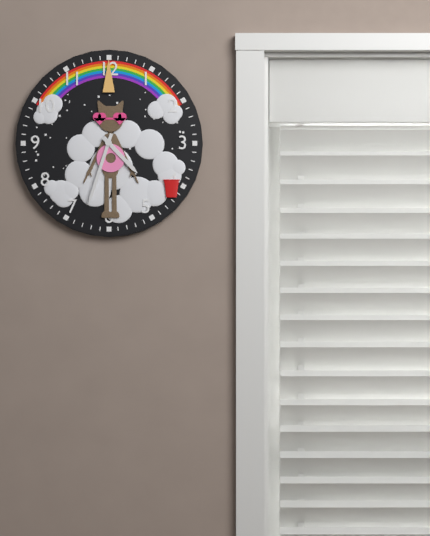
h=4 m=33
